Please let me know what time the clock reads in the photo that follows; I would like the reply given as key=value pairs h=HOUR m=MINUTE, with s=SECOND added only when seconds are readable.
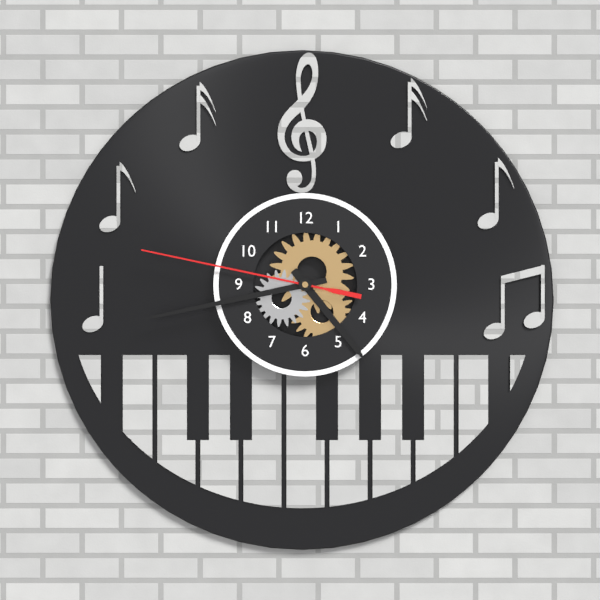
h=4 m=43 s=47
